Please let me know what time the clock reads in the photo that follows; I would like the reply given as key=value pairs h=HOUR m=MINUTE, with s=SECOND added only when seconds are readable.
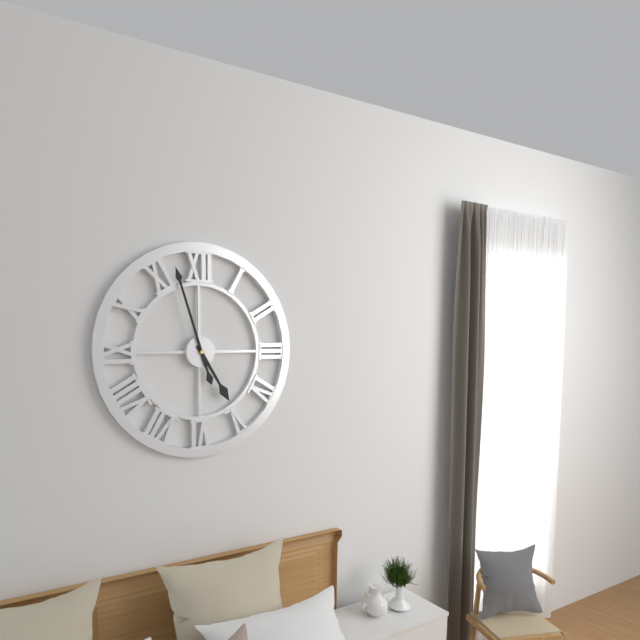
h=4 m=57
